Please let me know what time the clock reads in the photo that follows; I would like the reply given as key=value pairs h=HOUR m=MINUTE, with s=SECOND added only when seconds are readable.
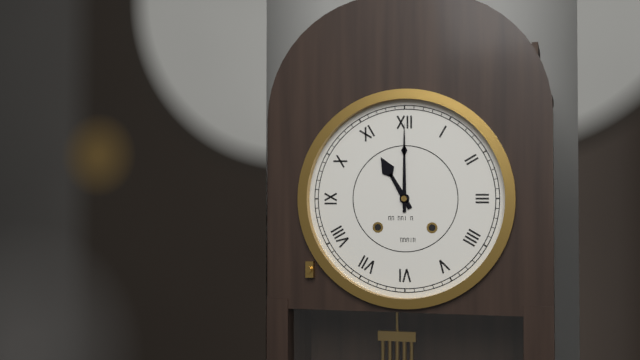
h=11 m=0
